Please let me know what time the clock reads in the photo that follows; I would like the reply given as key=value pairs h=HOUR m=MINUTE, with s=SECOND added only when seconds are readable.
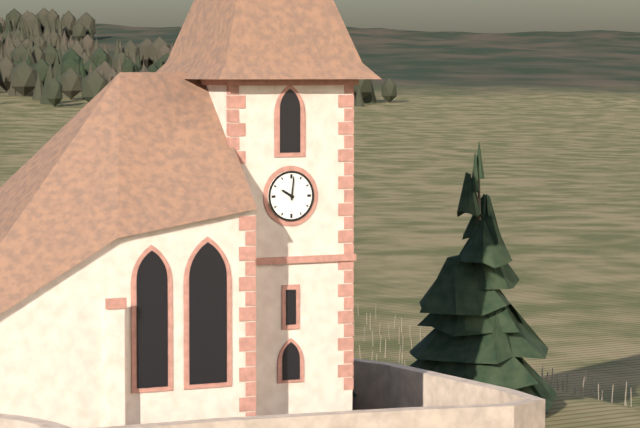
h=10 m=1
